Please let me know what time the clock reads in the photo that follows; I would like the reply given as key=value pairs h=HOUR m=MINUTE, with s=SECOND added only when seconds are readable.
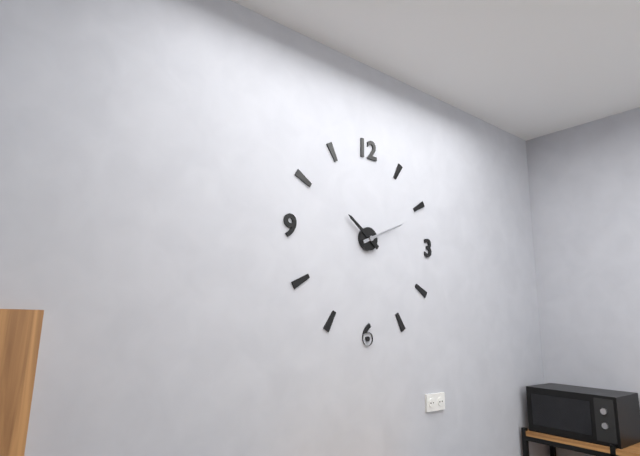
h=10 m=11
